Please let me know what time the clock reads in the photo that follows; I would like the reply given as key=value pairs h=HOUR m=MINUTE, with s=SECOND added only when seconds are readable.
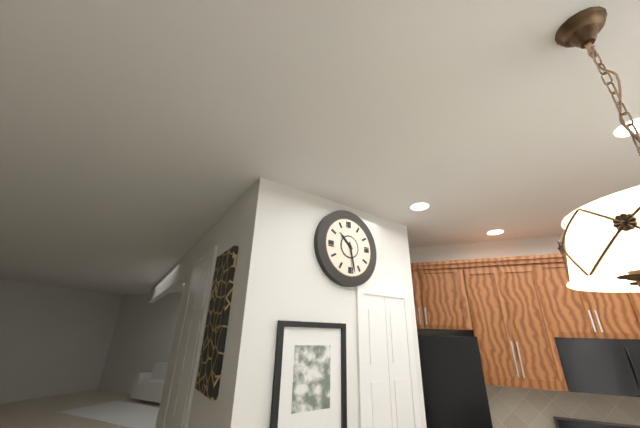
h=10 m=28
